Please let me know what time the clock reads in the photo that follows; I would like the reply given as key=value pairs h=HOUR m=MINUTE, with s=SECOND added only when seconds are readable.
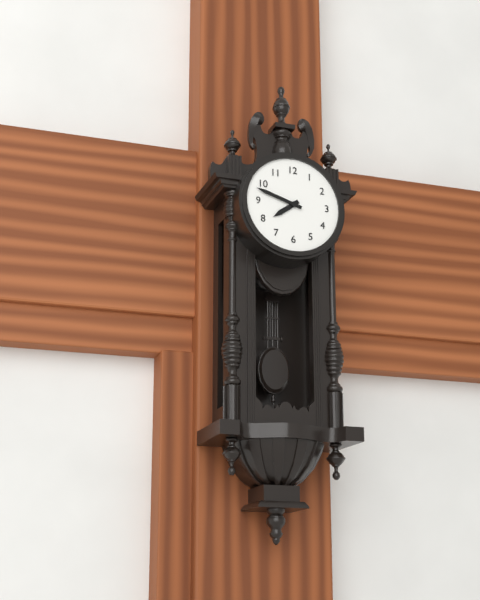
h=7 m=48
